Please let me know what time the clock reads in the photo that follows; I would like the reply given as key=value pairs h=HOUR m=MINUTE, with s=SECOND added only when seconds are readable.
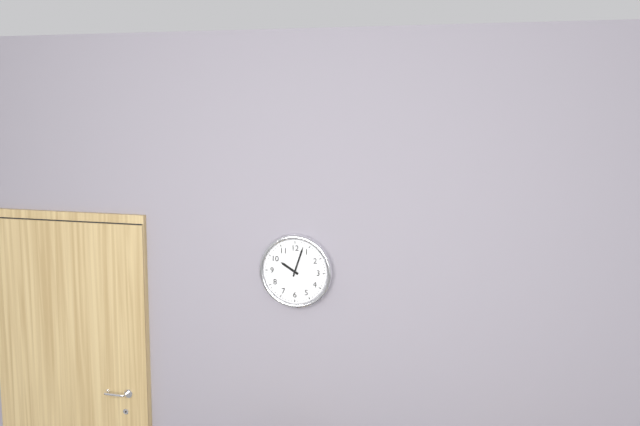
h=10 m=3
